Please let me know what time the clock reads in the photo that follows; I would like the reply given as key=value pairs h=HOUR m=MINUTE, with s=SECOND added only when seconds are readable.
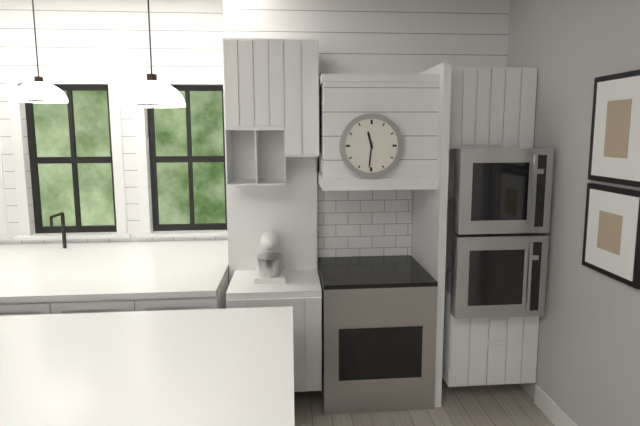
h=11 m=31
